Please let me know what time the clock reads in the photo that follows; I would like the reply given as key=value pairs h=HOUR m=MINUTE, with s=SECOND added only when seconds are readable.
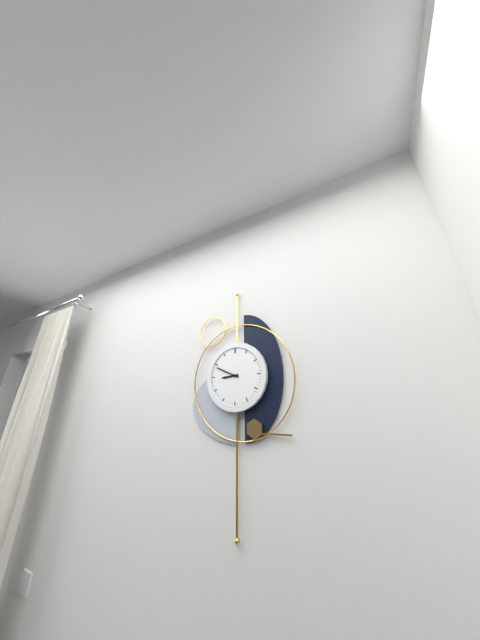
h=8 m=49
